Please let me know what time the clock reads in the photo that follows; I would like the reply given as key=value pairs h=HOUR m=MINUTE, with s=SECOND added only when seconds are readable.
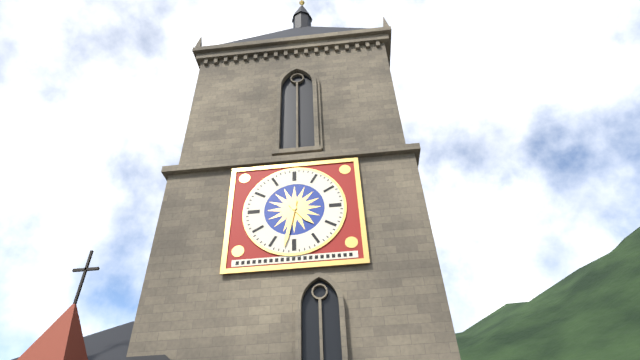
h=4 m=32
